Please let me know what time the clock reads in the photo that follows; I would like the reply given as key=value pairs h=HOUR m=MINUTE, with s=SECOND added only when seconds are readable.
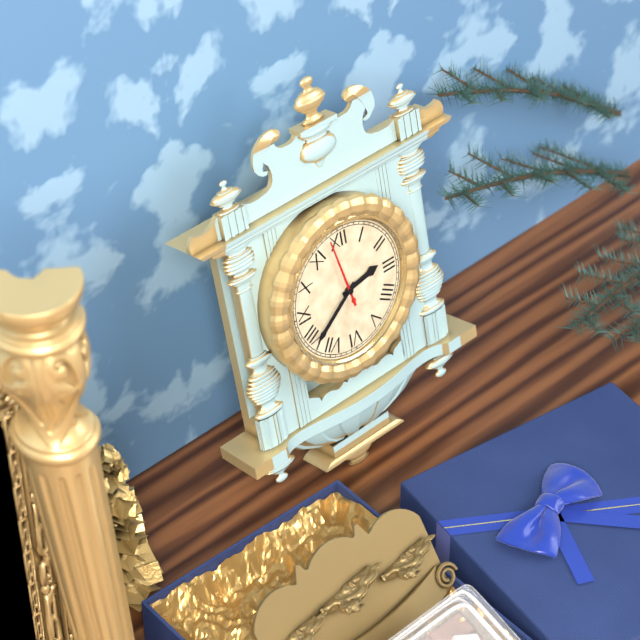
h=2 m=39 s=58
